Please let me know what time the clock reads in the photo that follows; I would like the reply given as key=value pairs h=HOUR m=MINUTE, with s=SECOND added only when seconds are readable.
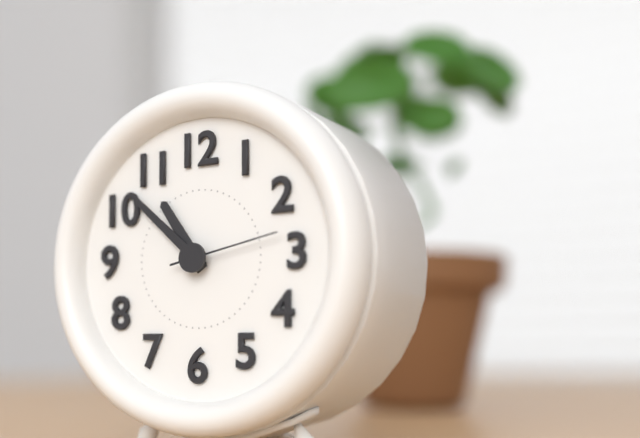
h=10 m=52 s=13
